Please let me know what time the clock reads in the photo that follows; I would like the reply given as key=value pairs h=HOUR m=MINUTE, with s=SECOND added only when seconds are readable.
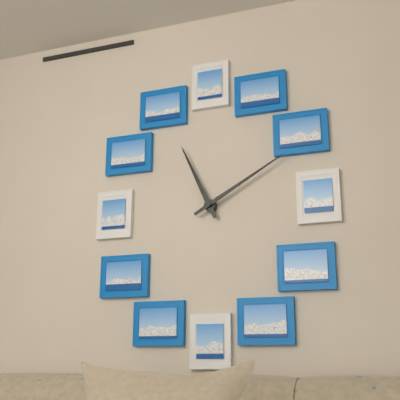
h=11 m=10
